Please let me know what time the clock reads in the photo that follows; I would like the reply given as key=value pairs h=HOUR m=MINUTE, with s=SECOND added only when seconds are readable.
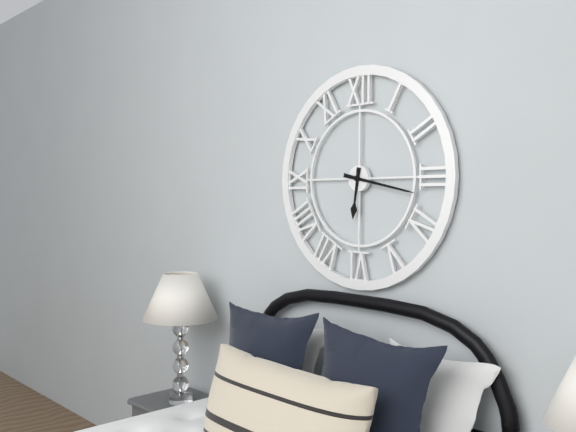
h=6 m=17
